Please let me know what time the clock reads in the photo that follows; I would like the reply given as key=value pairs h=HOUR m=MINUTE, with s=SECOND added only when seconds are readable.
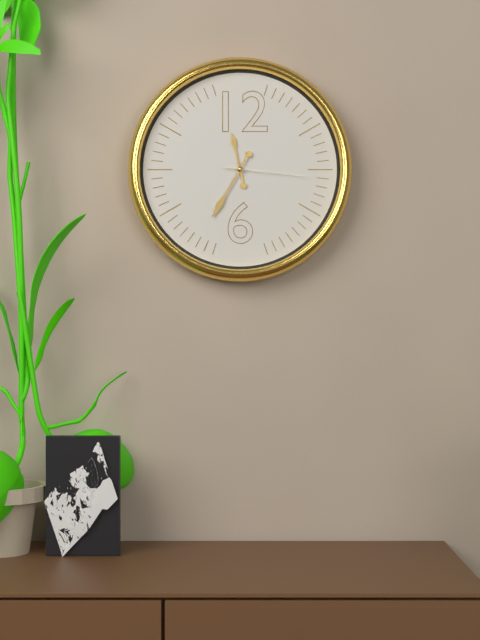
h=11 m=35 s=16
